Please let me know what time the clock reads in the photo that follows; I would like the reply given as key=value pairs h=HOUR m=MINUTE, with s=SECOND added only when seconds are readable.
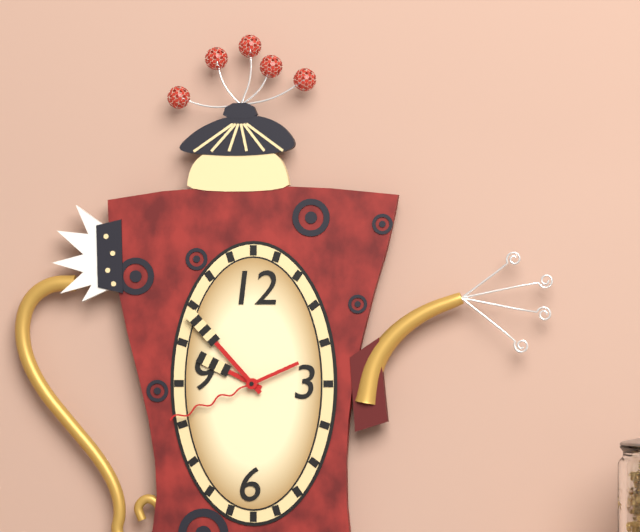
h=9 m=53 s=41
